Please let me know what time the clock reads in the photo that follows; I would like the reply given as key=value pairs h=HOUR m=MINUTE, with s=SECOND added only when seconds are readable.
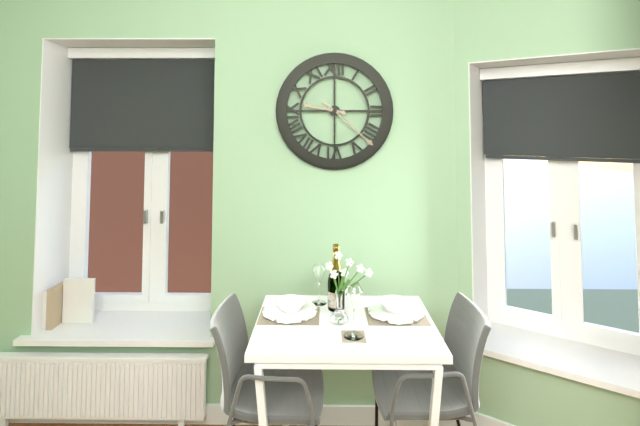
h=9 m=22
